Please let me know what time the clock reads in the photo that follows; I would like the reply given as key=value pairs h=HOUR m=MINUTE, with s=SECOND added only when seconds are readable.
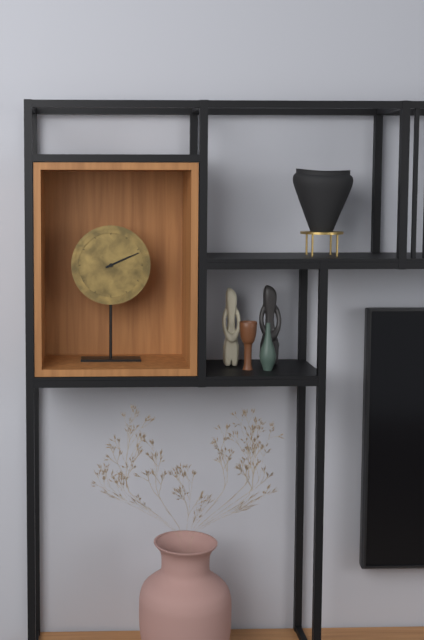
h=2 m=11
